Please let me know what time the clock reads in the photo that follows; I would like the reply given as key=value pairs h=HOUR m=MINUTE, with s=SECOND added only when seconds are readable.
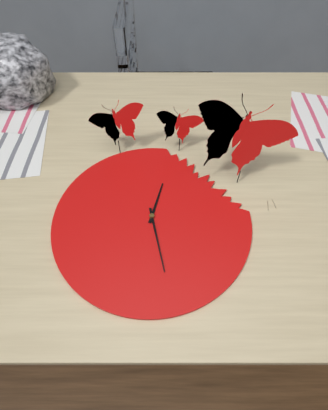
h=12 m=28
